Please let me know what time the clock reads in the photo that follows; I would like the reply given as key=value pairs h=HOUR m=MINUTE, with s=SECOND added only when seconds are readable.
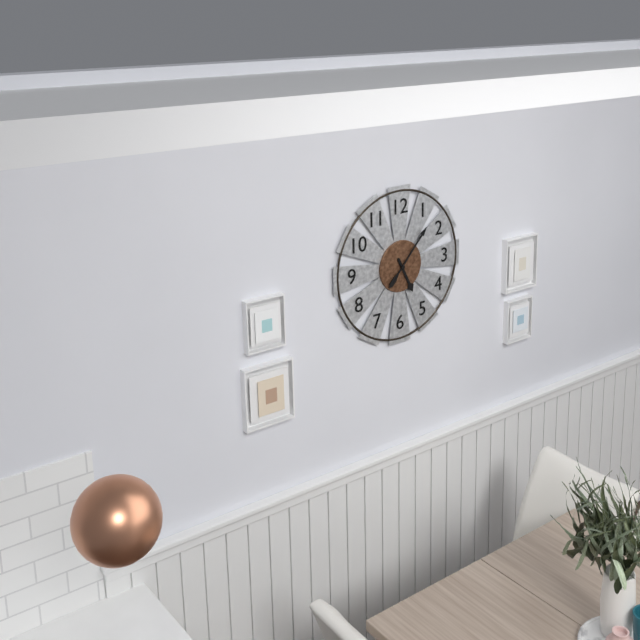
h=5 m=7
